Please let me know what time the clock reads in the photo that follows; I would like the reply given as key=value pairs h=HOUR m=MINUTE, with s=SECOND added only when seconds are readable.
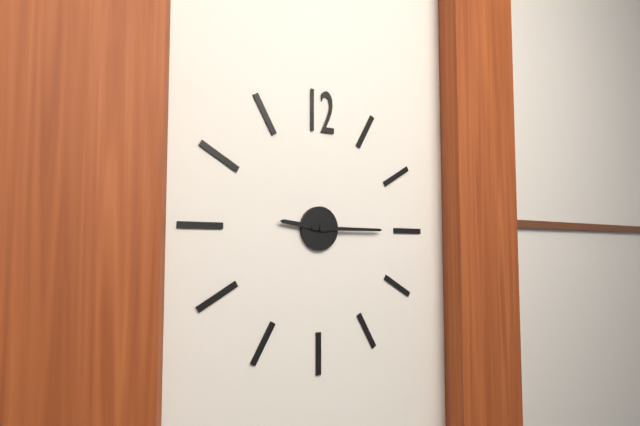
h=9 m=15
